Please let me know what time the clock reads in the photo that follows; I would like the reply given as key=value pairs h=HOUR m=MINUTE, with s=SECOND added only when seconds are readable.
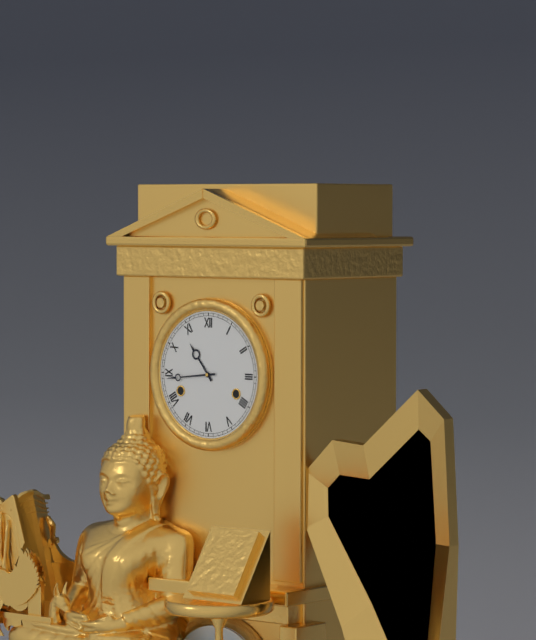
h=10 m=44
